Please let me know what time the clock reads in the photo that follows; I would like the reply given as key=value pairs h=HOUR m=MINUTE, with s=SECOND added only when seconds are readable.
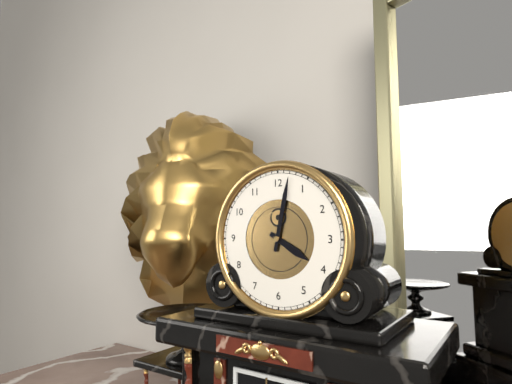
h=4 m=2
